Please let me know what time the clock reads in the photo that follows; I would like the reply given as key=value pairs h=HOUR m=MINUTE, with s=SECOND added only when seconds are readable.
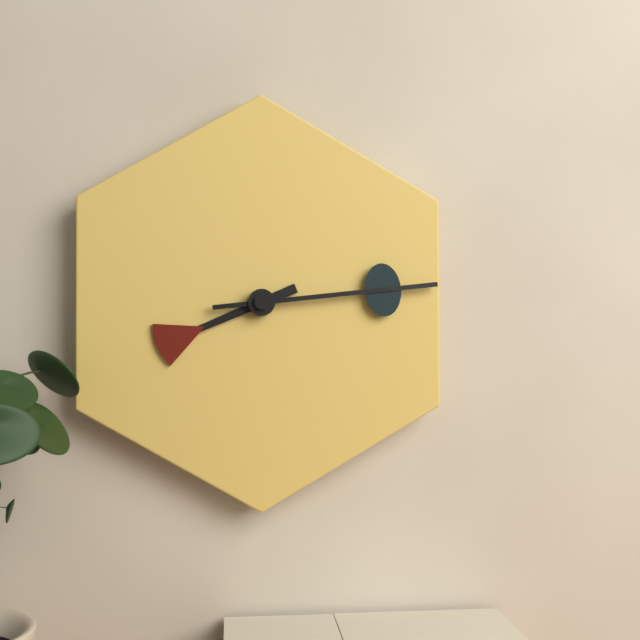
h=8 m=14
